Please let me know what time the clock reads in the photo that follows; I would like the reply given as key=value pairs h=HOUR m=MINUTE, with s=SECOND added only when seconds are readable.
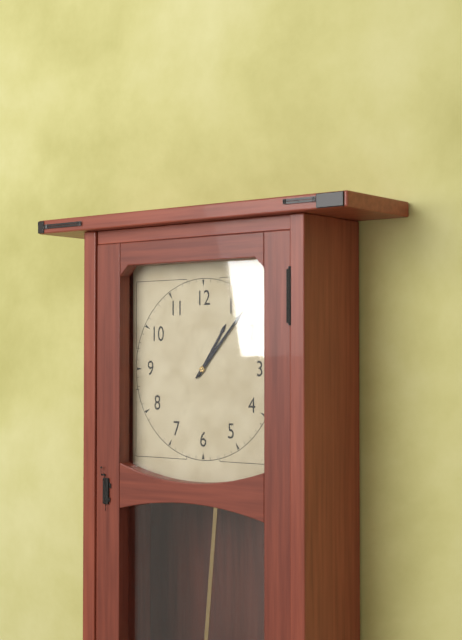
h=1 m=7
